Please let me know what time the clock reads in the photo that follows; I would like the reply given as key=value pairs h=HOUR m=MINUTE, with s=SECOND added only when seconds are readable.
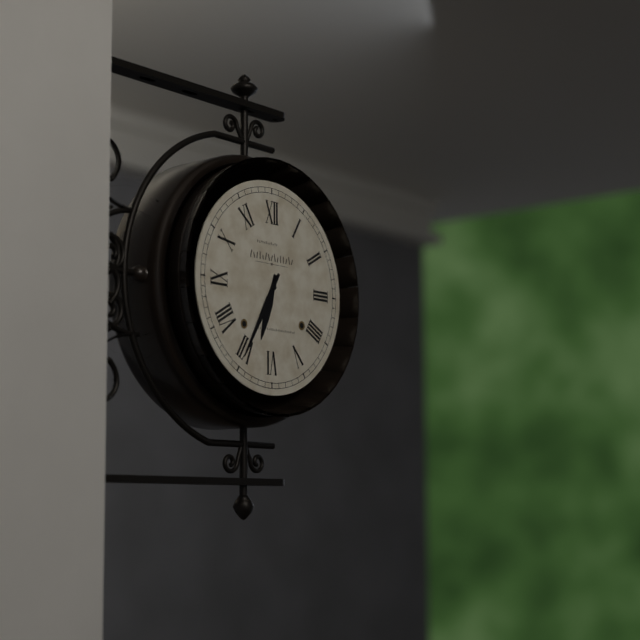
h=6 m=35
